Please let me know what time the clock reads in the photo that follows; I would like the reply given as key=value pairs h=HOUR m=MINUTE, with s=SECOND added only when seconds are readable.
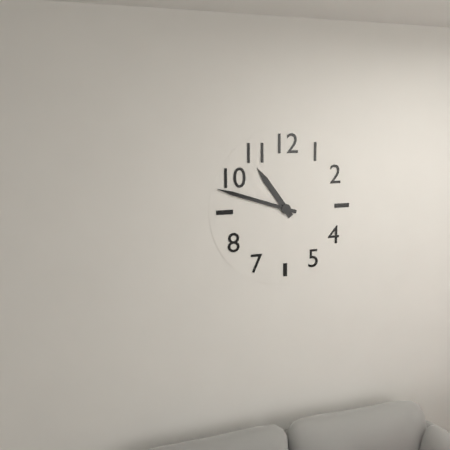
h=10 m=48
